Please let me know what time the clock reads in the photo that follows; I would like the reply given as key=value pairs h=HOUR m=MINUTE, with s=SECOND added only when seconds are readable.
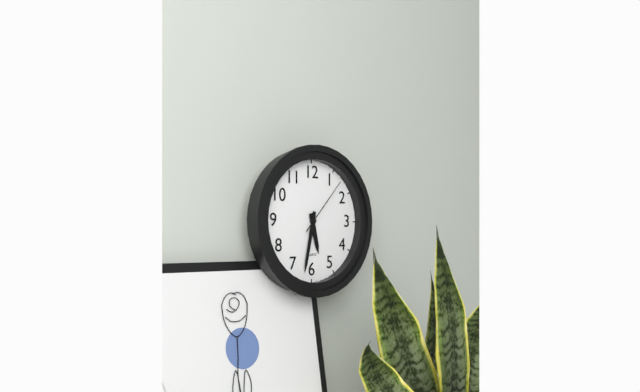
h=5 m=32 s=7
